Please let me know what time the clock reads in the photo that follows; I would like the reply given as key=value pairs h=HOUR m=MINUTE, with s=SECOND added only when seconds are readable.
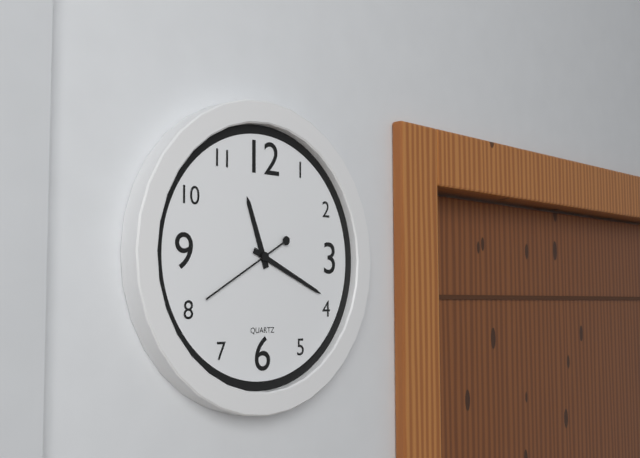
h=11 m=19 s=40
